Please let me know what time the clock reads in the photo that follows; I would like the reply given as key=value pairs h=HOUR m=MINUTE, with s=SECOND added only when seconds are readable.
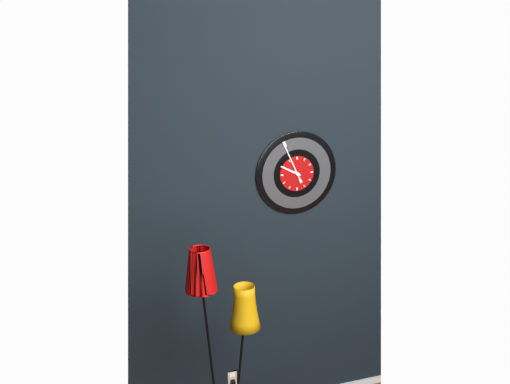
h=9 m=56
